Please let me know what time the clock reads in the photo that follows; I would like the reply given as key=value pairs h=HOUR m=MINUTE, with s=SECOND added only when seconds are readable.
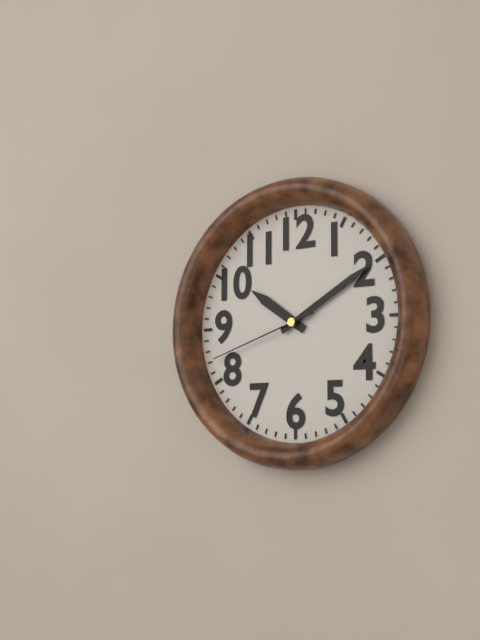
h=10 m=10 s=42
